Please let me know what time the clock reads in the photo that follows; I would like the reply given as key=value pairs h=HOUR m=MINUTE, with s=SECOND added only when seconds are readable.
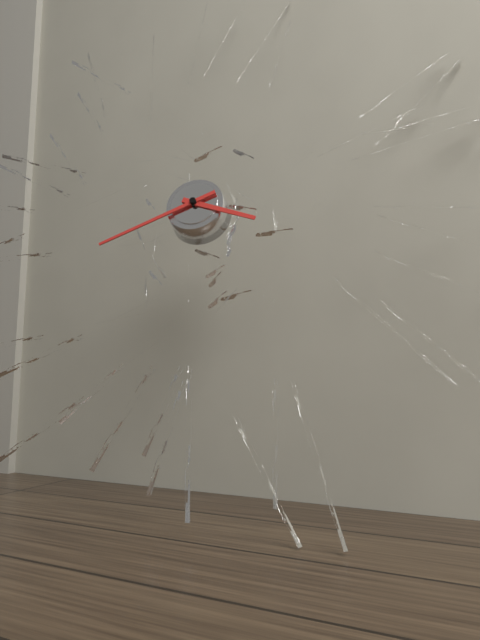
h=3 m=41
